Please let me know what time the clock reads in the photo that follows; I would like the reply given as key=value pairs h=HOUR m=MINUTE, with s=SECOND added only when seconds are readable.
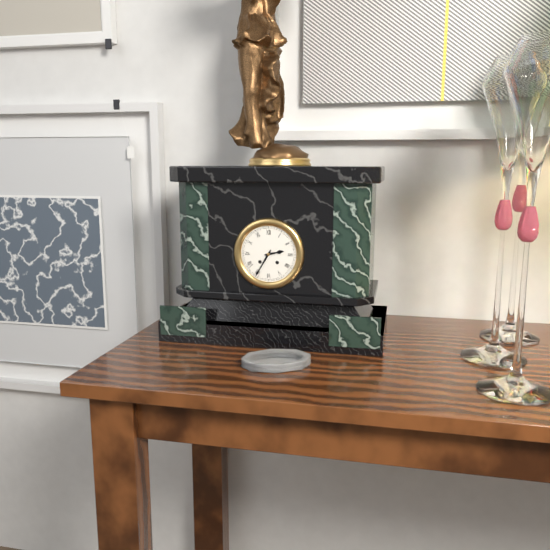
h=2 m=35
